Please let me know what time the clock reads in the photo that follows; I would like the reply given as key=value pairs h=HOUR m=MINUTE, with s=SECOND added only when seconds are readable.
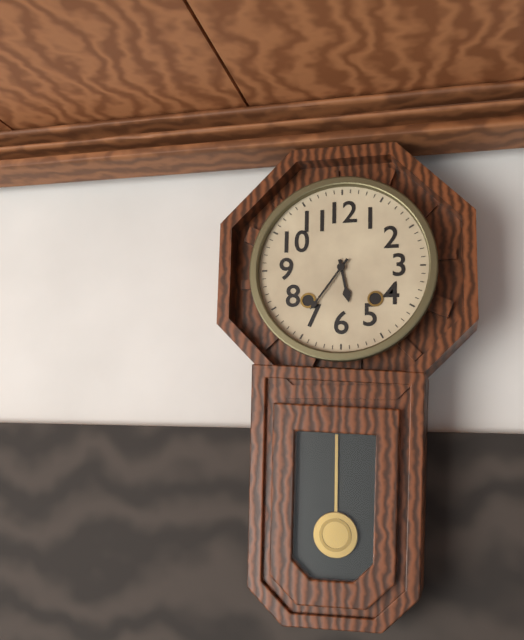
h=5 m=36
